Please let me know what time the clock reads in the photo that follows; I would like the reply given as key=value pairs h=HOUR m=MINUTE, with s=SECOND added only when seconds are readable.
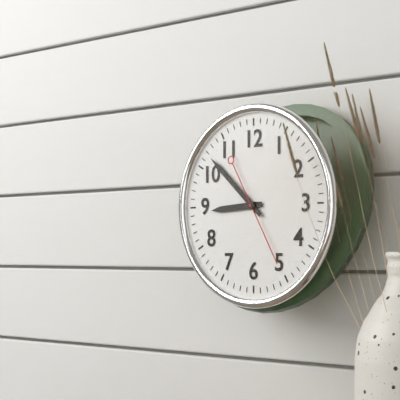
h=8 m=52 s=25
